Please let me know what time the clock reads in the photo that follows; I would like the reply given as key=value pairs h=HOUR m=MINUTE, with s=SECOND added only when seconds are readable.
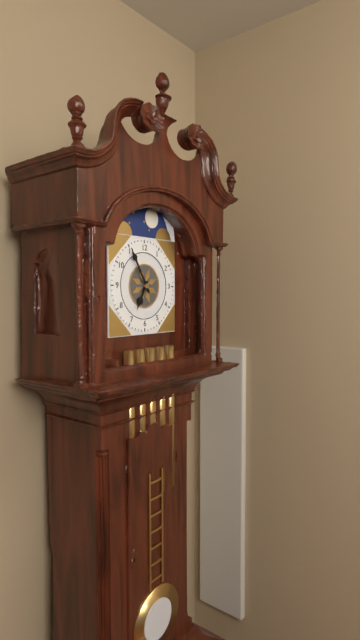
h=6 m=55
